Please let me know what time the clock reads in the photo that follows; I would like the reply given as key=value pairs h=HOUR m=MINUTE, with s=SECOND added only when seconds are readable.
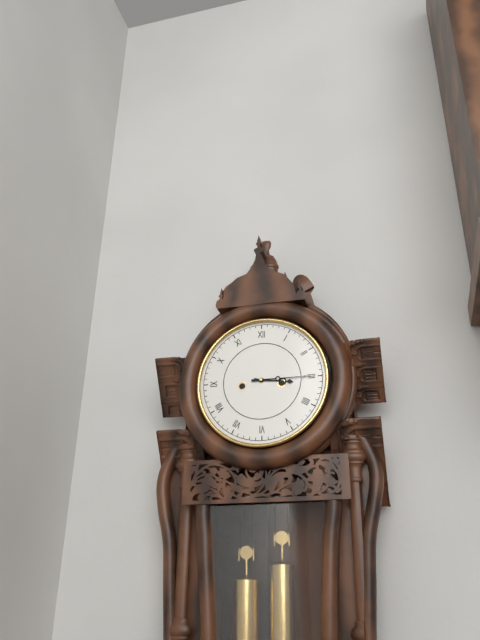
h=3 m=15
